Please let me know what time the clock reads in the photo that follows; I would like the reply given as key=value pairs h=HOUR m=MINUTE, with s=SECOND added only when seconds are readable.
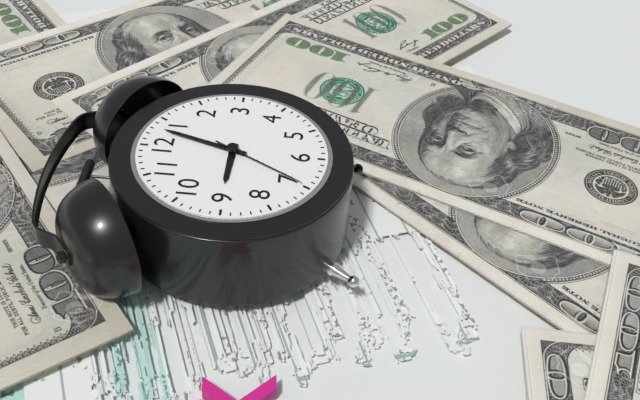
h=9 m=3 s=35
